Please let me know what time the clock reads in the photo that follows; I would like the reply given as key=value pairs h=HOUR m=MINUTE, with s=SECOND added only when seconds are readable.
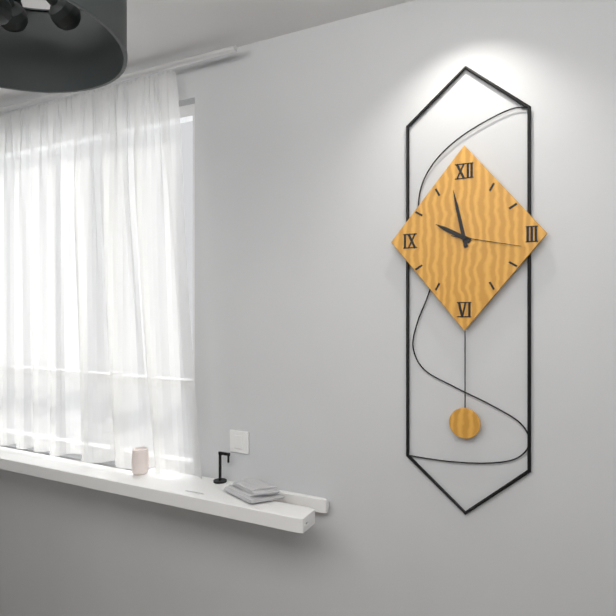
h=9 m=58 s=17
